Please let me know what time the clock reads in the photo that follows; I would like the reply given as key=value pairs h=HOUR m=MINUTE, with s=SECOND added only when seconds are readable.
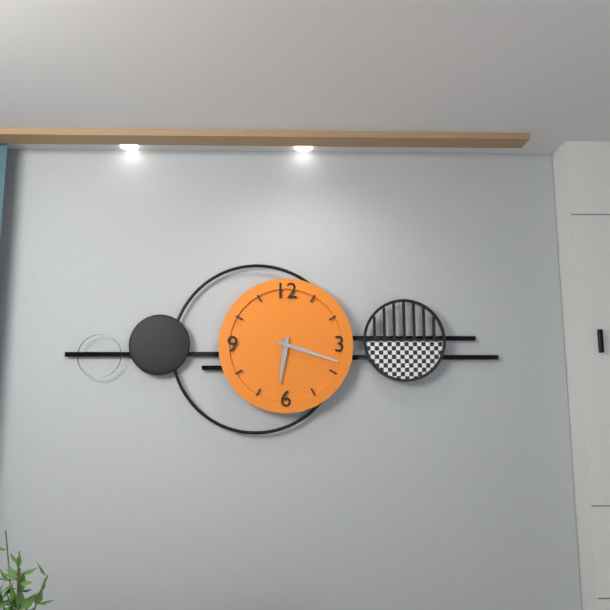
h=6 m=18
